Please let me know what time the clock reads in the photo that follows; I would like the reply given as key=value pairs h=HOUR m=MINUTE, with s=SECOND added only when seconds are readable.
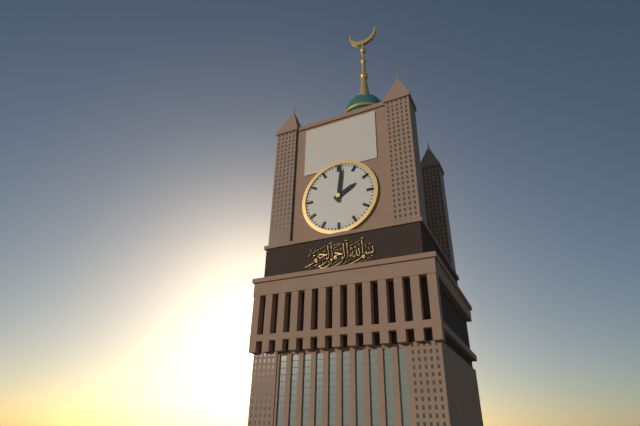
h=2 m=1
